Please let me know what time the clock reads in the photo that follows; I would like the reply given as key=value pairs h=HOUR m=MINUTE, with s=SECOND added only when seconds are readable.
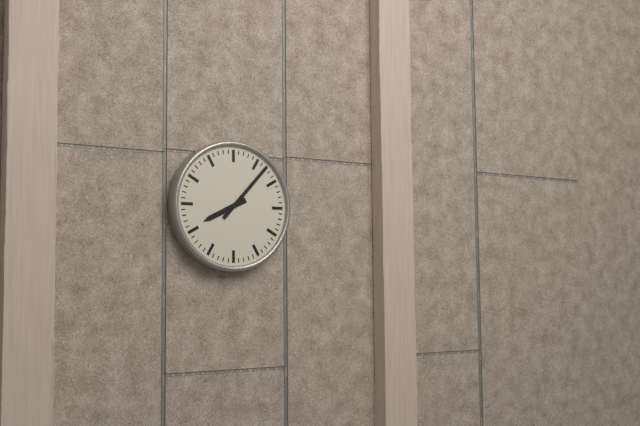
h=8 m=7
